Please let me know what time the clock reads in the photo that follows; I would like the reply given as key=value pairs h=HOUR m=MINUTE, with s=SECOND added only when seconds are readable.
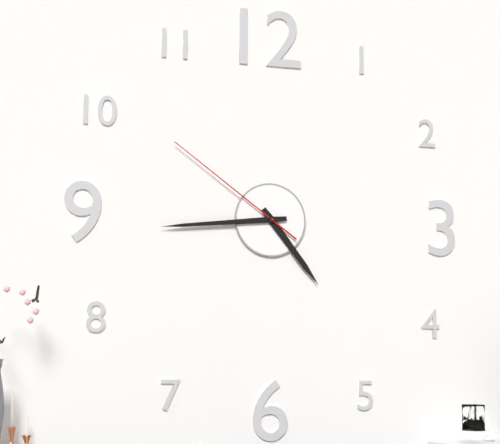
h=4 m=44 s=51
